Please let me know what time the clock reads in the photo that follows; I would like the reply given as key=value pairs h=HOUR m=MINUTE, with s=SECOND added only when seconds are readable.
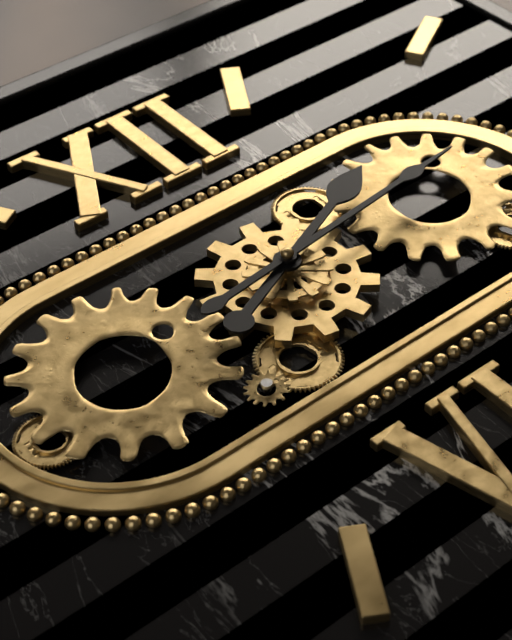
h=2 m=14
